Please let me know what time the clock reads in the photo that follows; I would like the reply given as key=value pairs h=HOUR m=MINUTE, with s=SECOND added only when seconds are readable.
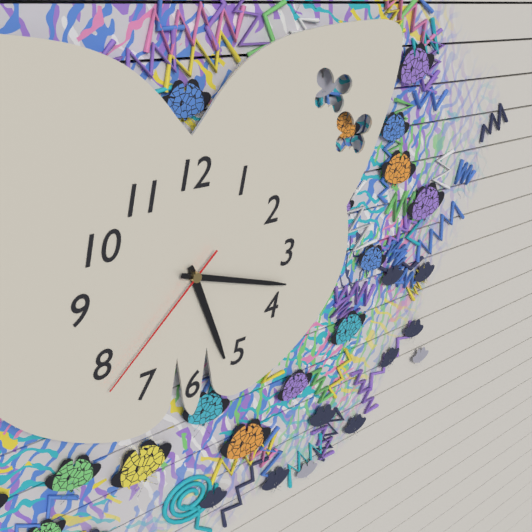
h=5 m=18 s=38
